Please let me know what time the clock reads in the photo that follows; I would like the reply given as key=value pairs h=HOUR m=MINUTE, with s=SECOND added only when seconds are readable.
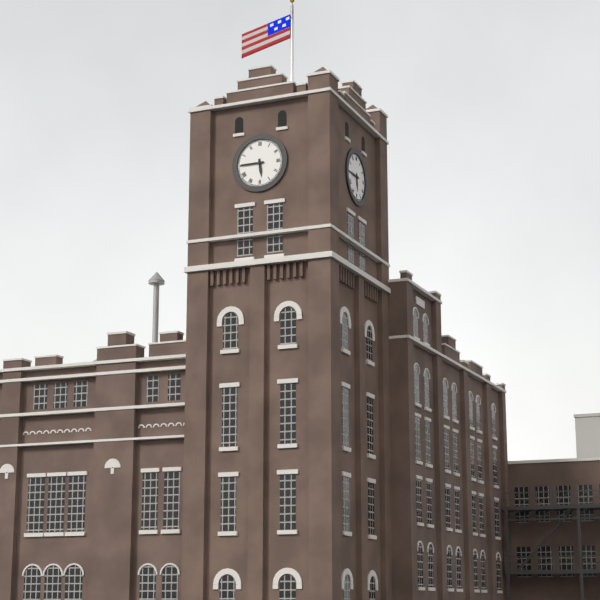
h=5 m=45
